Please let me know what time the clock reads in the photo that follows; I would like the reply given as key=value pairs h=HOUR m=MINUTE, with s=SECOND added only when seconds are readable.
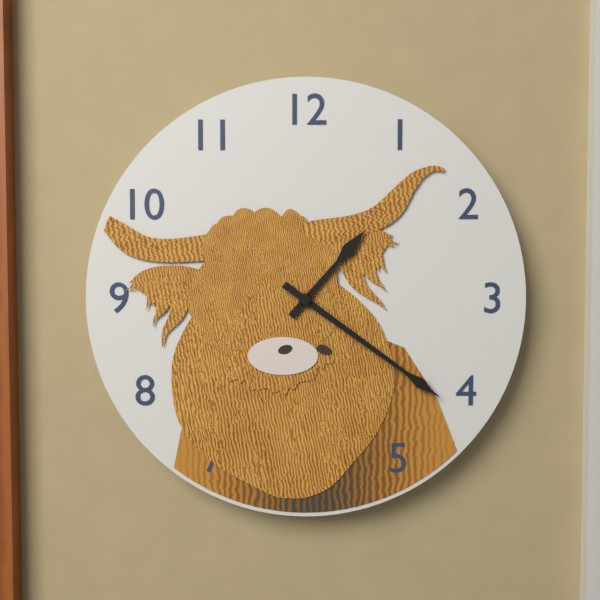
h=1 m=21
